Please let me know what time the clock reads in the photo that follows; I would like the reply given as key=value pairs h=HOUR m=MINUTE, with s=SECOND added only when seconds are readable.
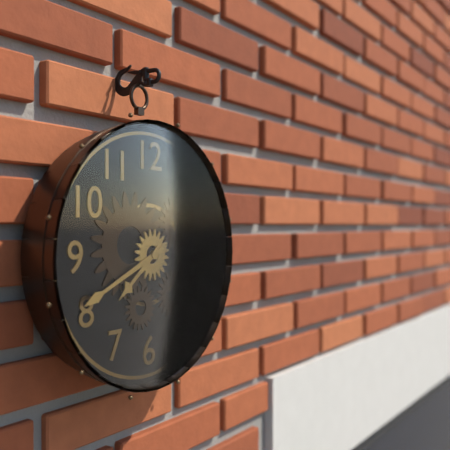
h=7 m=41
